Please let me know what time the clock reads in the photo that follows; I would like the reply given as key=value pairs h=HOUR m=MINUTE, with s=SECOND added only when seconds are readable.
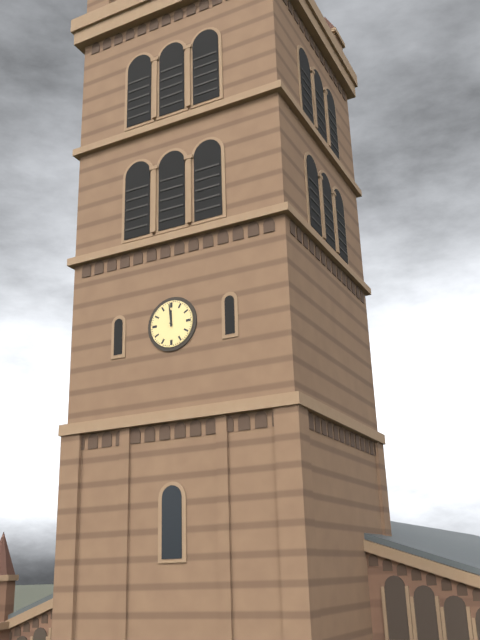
h=11 m=59
